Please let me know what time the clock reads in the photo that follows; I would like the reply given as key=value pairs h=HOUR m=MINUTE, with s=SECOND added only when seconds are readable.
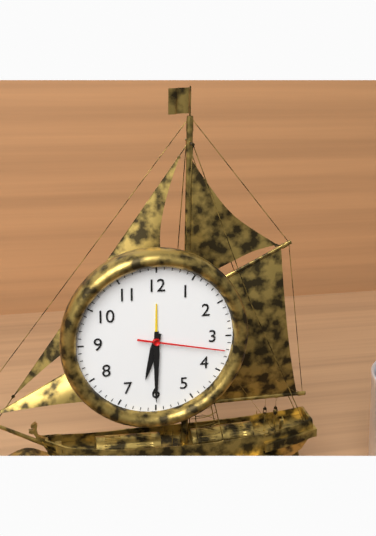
h=6 m=30 s=17
